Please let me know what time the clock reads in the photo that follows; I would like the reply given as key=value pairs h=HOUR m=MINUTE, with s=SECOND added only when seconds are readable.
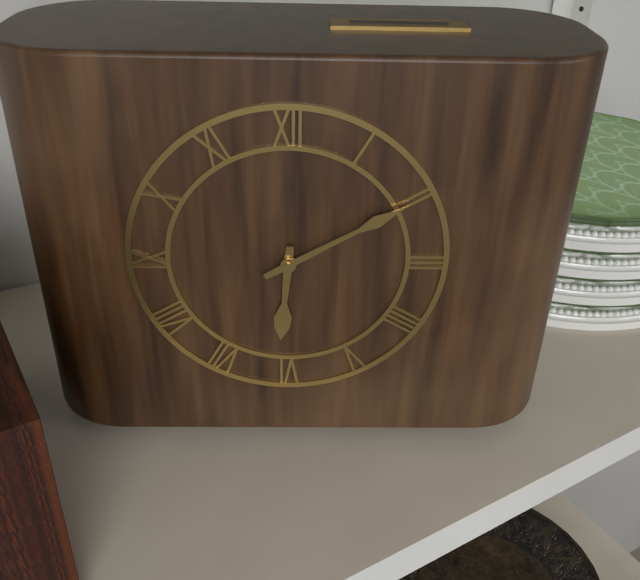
h=6 m=10
